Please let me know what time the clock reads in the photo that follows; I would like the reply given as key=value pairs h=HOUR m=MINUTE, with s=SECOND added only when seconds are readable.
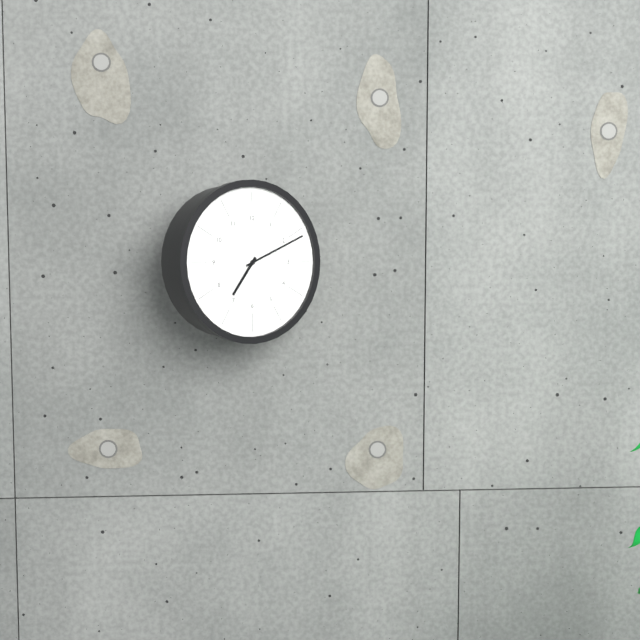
h=7 m=11
